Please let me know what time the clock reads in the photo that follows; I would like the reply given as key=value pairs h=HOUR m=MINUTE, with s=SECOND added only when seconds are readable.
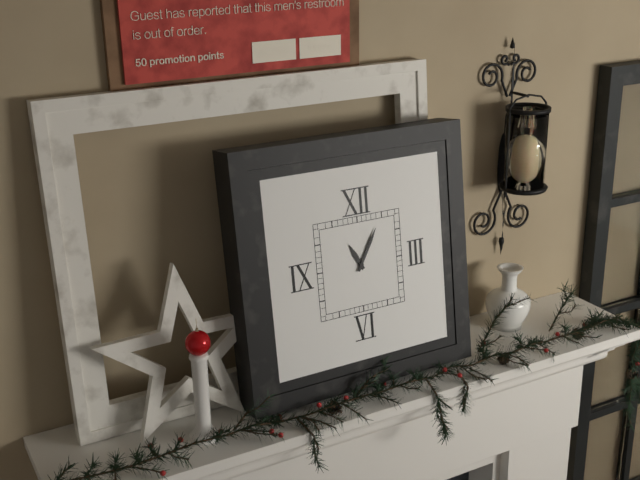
h=11 m=5
